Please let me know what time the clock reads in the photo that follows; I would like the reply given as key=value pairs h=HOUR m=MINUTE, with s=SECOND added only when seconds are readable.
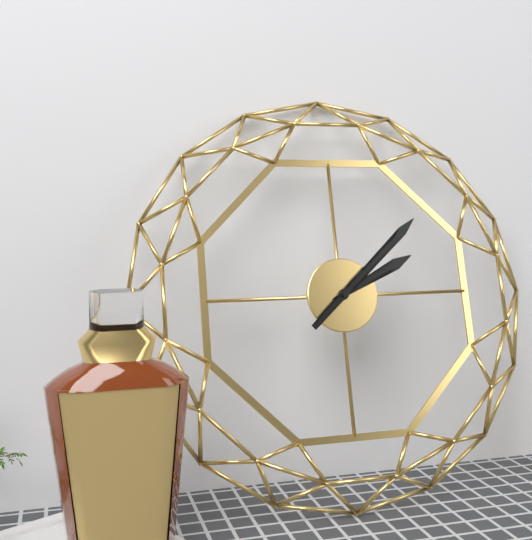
h=2 m=8
